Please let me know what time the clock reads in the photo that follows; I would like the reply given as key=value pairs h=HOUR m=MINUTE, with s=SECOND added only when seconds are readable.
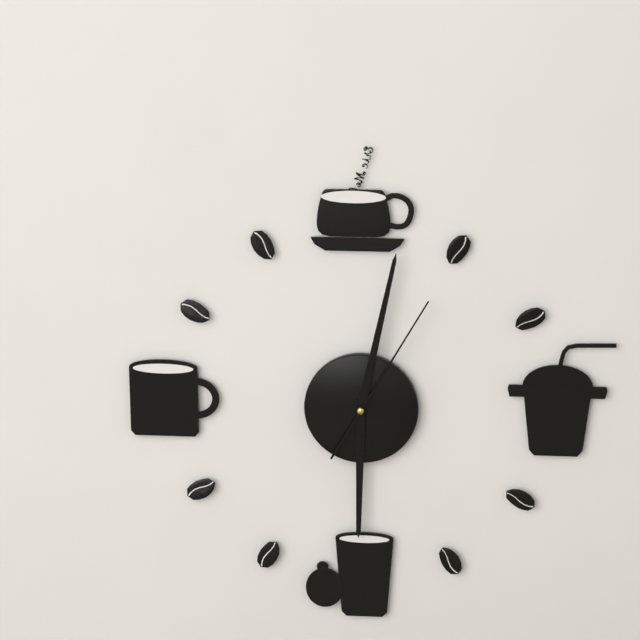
h=6 m=2 s=5
